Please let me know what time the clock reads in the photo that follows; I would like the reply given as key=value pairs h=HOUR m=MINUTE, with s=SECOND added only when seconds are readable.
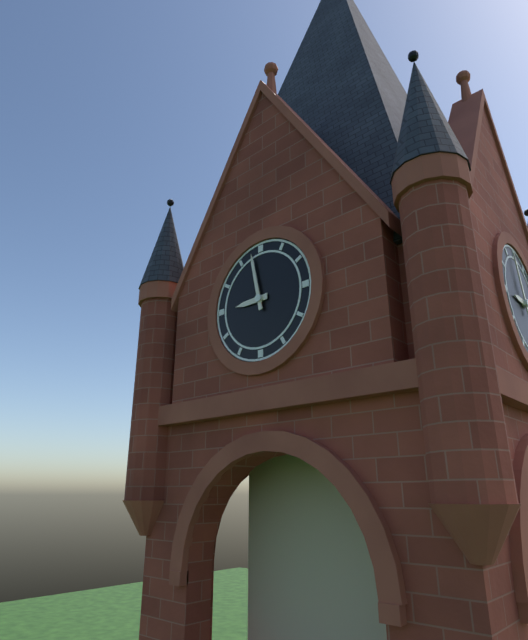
h=8 m=58
